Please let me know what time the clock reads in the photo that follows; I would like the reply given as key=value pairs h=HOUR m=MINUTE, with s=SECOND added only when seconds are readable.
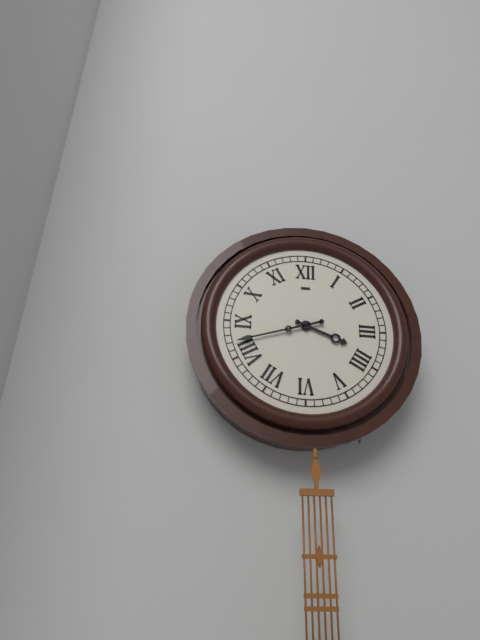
h=3 m=42
